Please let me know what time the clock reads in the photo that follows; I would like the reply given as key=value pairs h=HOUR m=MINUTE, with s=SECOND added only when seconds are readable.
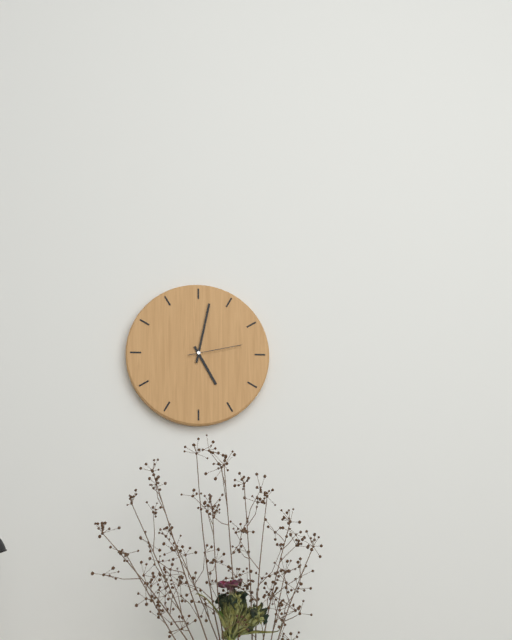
h=5 m=2 s=13
